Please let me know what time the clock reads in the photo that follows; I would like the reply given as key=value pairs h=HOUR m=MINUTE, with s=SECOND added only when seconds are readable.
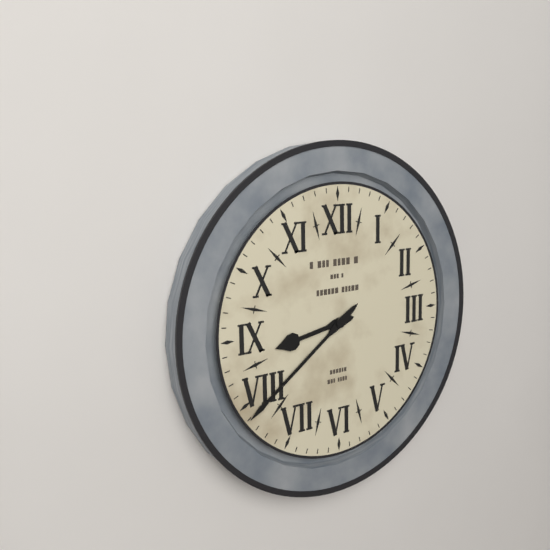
h=8 m=39
